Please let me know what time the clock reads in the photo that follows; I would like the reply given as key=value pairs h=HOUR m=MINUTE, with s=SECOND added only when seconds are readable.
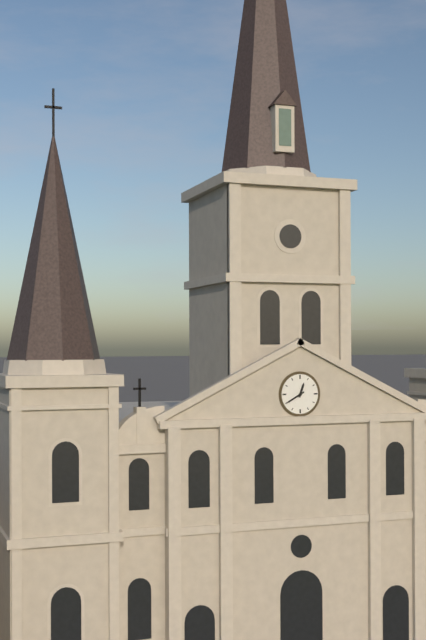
h=12 m=40
